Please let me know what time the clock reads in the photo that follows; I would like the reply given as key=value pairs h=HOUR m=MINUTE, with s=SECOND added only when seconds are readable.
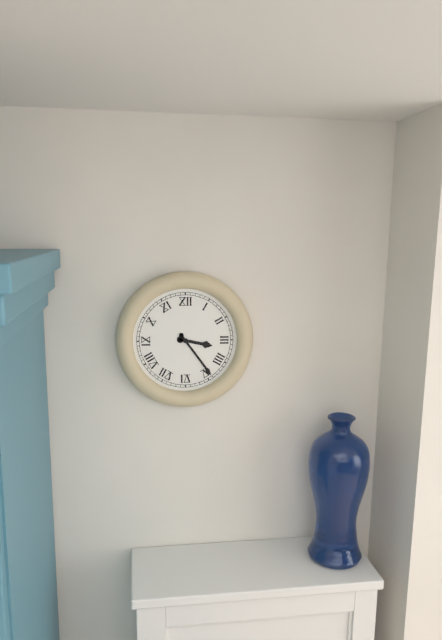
h=3 m=24
